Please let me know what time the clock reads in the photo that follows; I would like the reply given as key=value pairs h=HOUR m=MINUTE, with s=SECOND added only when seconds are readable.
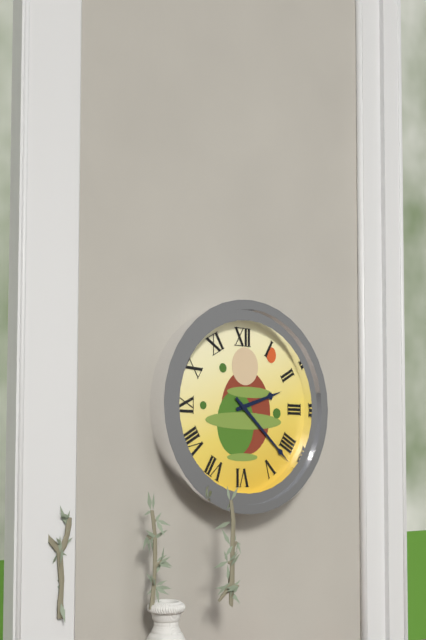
h=2 m=22
